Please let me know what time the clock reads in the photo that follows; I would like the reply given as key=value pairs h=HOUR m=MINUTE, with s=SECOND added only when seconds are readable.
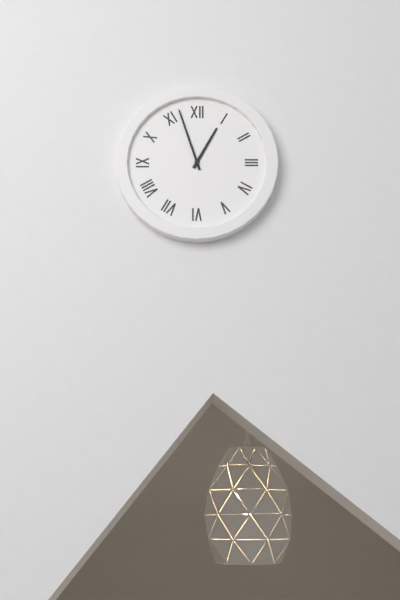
h=12 m=57
